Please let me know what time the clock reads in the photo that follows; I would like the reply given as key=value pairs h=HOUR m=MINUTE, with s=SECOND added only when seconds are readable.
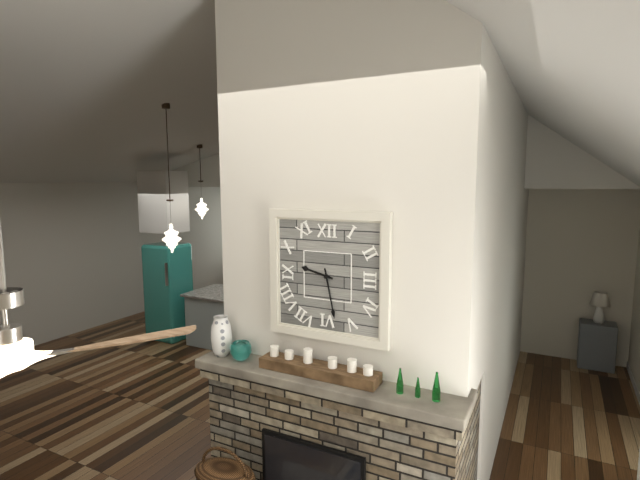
h=9 m=28
